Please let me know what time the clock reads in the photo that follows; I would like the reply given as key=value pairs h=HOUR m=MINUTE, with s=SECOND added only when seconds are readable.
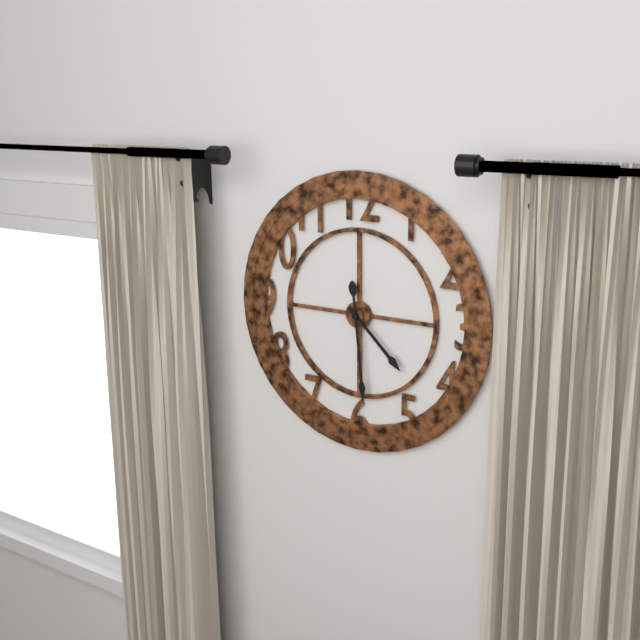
h=4 m=29
